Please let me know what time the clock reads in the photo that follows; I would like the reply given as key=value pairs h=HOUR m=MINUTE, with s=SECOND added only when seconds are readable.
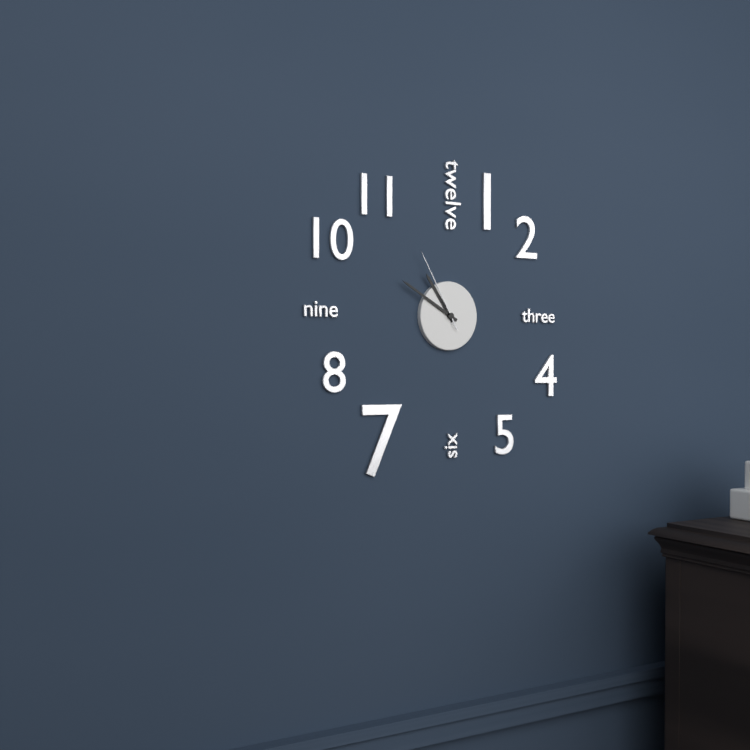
h=10 m=50 s=55
